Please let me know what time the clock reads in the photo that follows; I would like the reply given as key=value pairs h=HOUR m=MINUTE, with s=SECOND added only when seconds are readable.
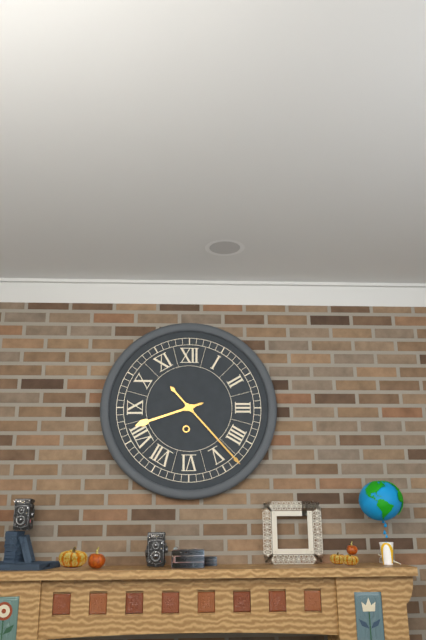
h=8 m=23
